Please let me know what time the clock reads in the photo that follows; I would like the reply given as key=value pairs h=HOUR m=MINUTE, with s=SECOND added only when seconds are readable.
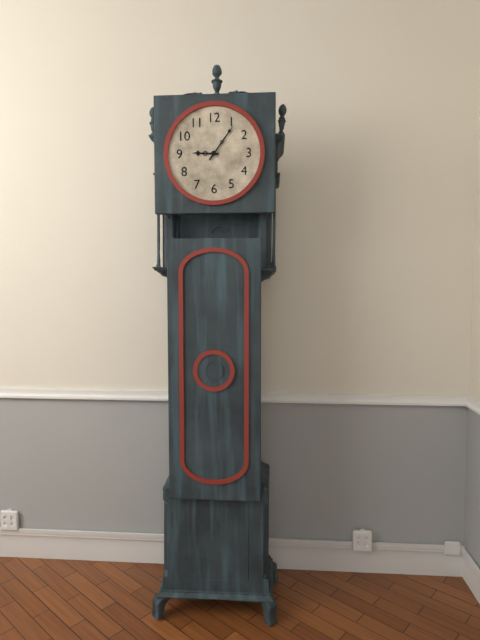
h=9 m=6
